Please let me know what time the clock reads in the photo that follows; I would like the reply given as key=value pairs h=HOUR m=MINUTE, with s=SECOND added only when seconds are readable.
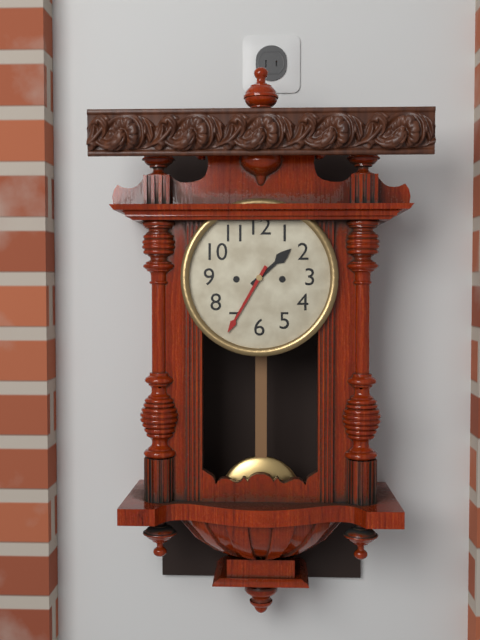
h=1 m=35
